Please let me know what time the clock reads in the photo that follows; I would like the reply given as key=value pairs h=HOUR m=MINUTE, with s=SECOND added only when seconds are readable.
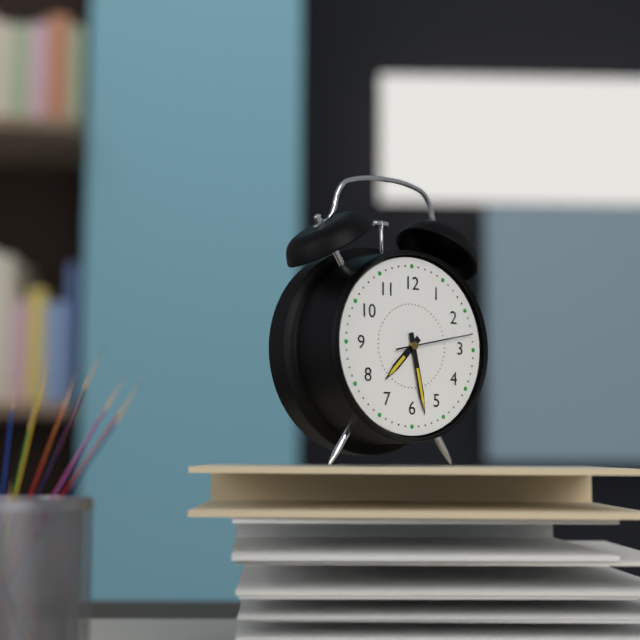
h=7 m=28 s=13
